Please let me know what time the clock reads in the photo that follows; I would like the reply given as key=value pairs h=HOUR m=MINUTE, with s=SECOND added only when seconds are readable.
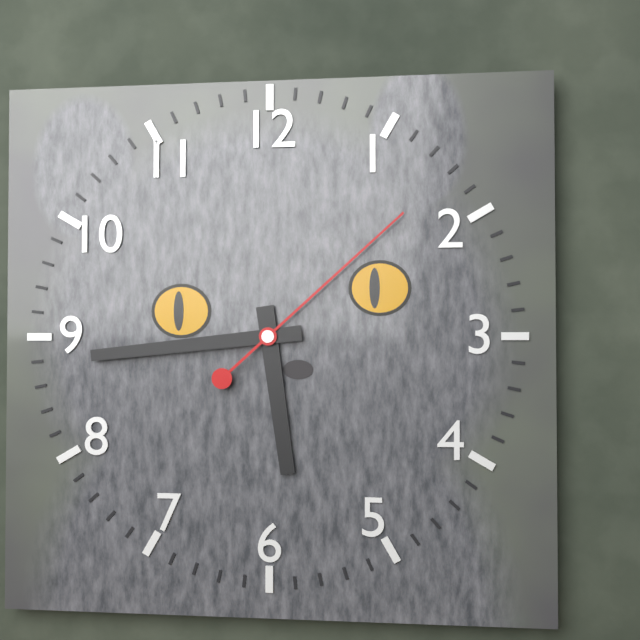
h=5 m=44 s=8
